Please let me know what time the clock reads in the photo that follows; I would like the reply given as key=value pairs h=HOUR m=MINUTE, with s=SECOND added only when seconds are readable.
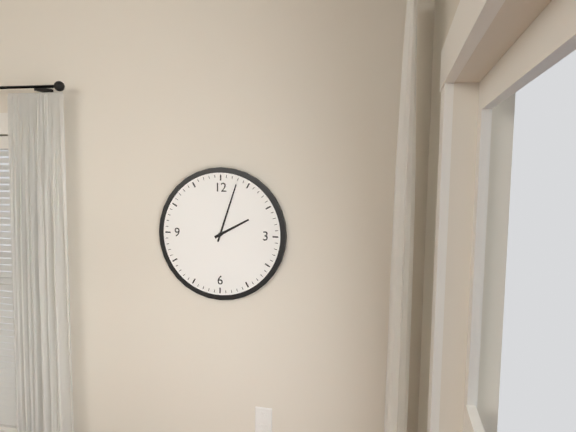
h=2 m=3
